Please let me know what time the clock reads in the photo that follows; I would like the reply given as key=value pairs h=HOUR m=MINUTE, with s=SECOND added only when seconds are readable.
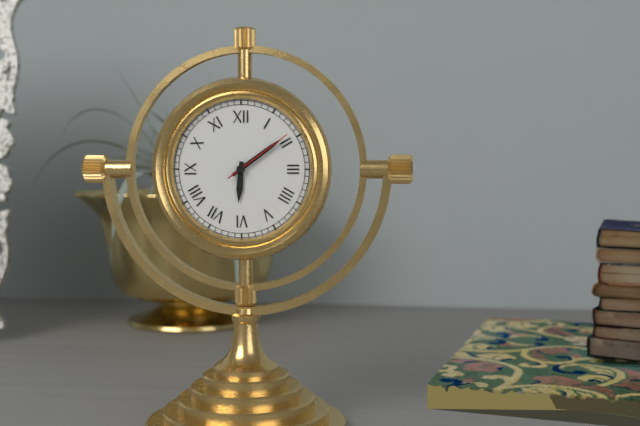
h=6 m=9 s=9
